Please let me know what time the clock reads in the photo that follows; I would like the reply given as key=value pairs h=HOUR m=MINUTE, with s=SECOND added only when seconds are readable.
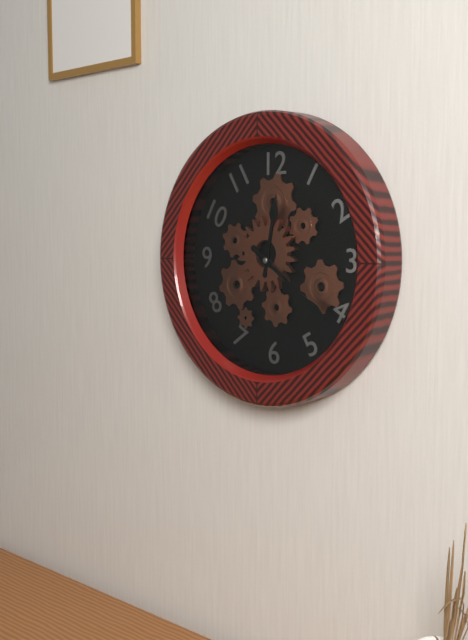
h=12 m=21
